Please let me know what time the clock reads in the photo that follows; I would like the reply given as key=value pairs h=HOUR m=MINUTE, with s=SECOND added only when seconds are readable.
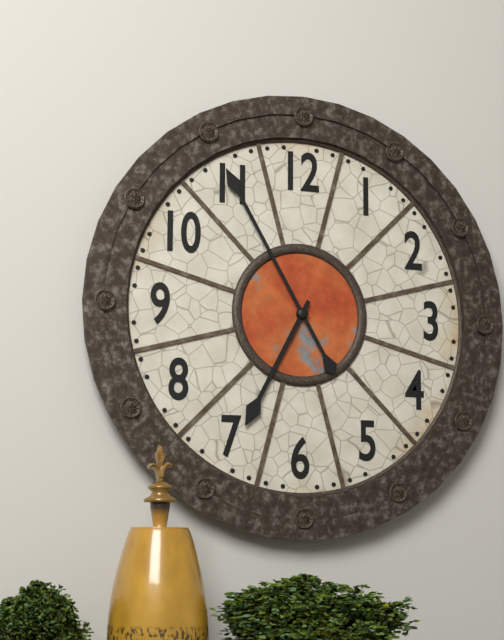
h=6 m=55
